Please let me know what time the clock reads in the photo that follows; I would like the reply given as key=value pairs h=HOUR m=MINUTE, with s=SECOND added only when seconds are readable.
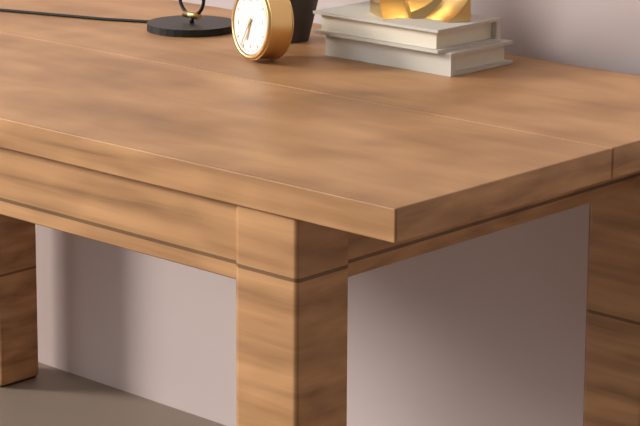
h=6 m=36
